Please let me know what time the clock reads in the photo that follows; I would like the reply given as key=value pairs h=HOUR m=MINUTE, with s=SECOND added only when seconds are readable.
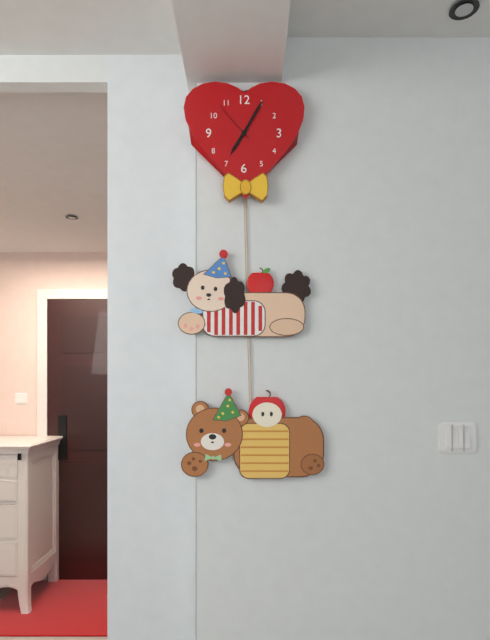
h=7 m=5
